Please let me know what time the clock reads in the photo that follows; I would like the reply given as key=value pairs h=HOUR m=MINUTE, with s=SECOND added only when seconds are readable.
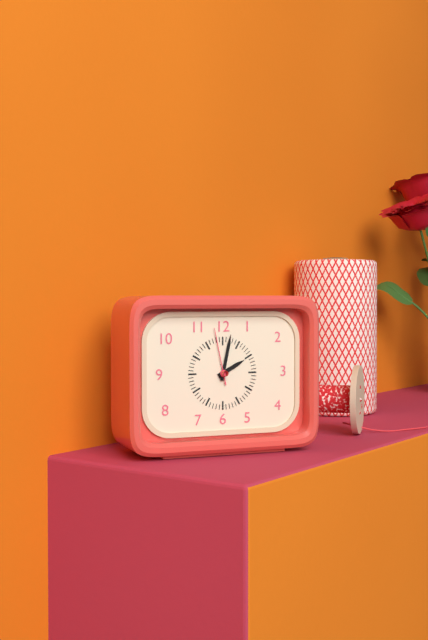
h=2 m=2 s=58
